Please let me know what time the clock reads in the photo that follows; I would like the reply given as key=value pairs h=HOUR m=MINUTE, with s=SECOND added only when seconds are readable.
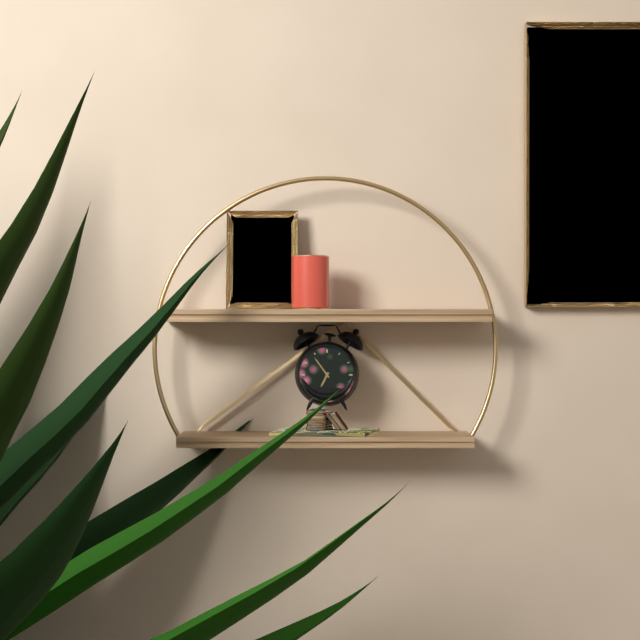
h=6 m=54
